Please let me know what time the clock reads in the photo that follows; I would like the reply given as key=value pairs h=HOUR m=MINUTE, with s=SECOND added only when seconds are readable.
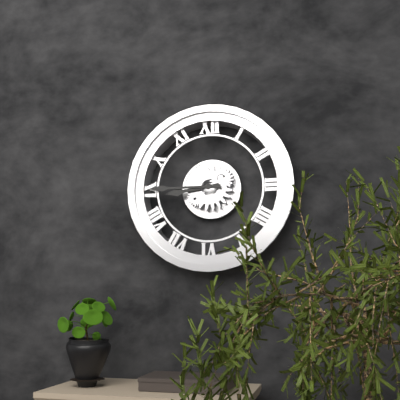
h=8 m=45
